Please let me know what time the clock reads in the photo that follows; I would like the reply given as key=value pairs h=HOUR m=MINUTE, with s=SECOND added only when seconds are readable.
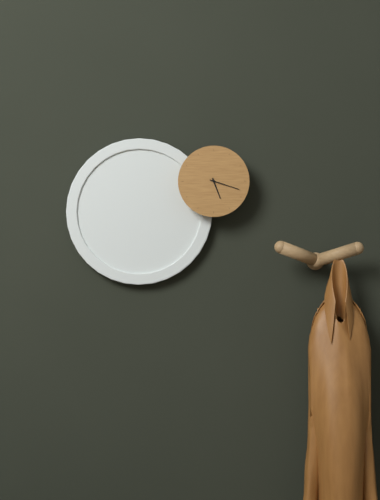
h=5 m=18
